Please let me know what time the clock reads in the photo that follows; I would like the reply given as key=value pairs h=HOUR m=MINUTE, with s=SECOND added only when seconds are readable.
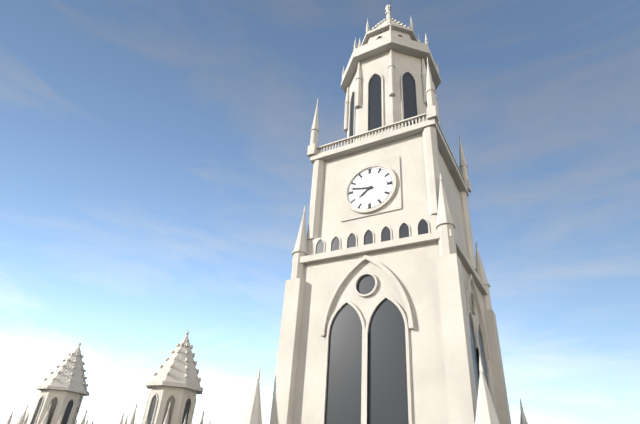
h=7 m=47
